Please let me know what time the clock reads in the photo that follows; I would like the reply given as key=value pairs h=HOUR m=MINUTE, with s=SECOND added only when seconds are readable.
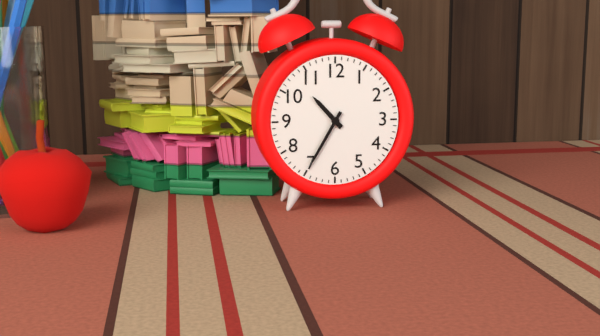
h=10 m=35
